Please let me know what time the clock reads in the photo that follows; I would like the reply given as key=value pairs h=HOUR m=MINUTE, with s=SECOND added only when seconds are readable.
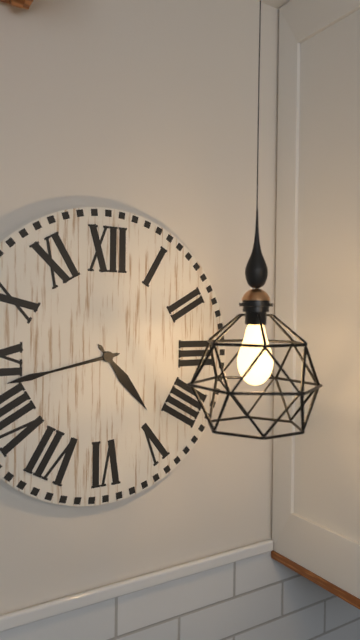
h=4 m=43
